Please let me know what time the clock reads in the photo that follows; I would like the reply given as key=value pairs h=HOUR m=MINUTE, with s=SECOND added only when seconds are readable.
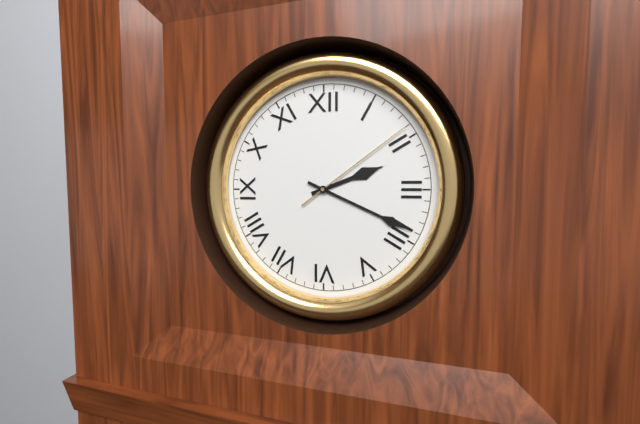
h=2 m=19 s=9
